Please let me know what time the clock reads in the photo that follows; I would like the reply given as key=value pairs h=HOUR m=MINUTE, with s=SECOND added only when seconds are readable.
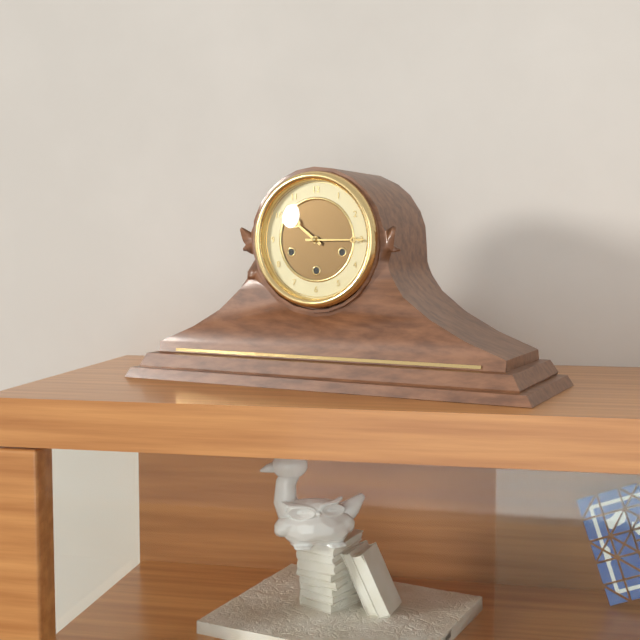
h=10 m=15
